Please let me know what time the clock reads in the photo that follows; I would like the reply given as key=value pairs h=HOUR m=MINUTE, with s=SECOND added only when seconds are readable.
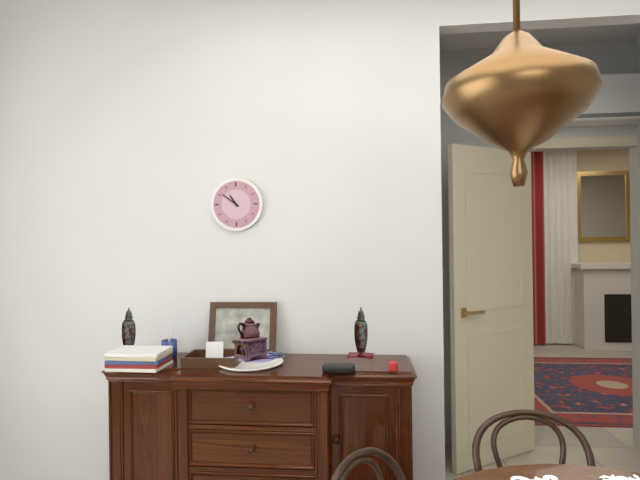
h=10 m=51
